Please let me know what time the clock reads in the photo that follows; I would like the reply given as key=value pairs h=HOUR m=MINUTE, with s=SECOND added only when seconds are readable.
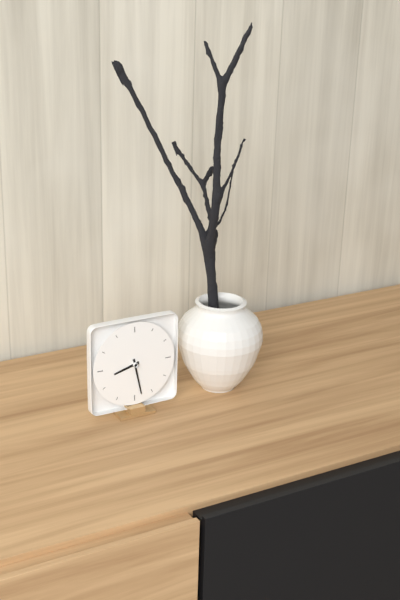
h=8 m=28
